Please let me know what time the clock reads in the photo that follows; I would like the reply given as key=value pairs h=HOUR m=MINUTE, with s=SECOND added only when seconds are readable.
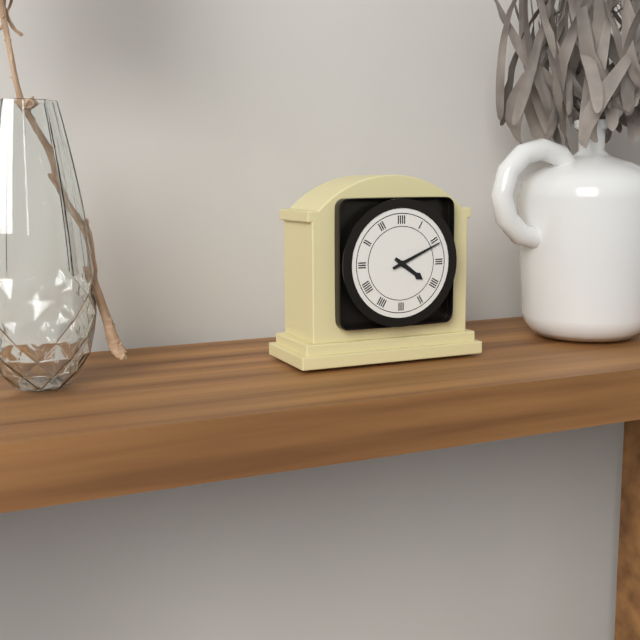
h=4 m=11
